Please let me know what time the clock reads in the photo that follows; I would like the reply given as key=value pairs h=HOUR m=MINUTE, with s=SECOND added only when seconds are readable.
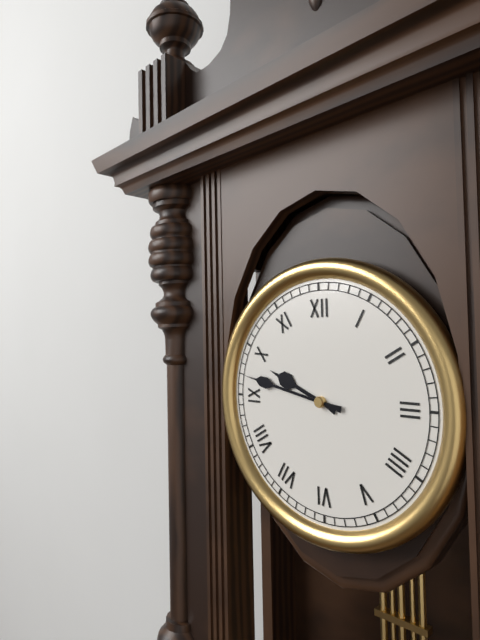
h=9 m=47
